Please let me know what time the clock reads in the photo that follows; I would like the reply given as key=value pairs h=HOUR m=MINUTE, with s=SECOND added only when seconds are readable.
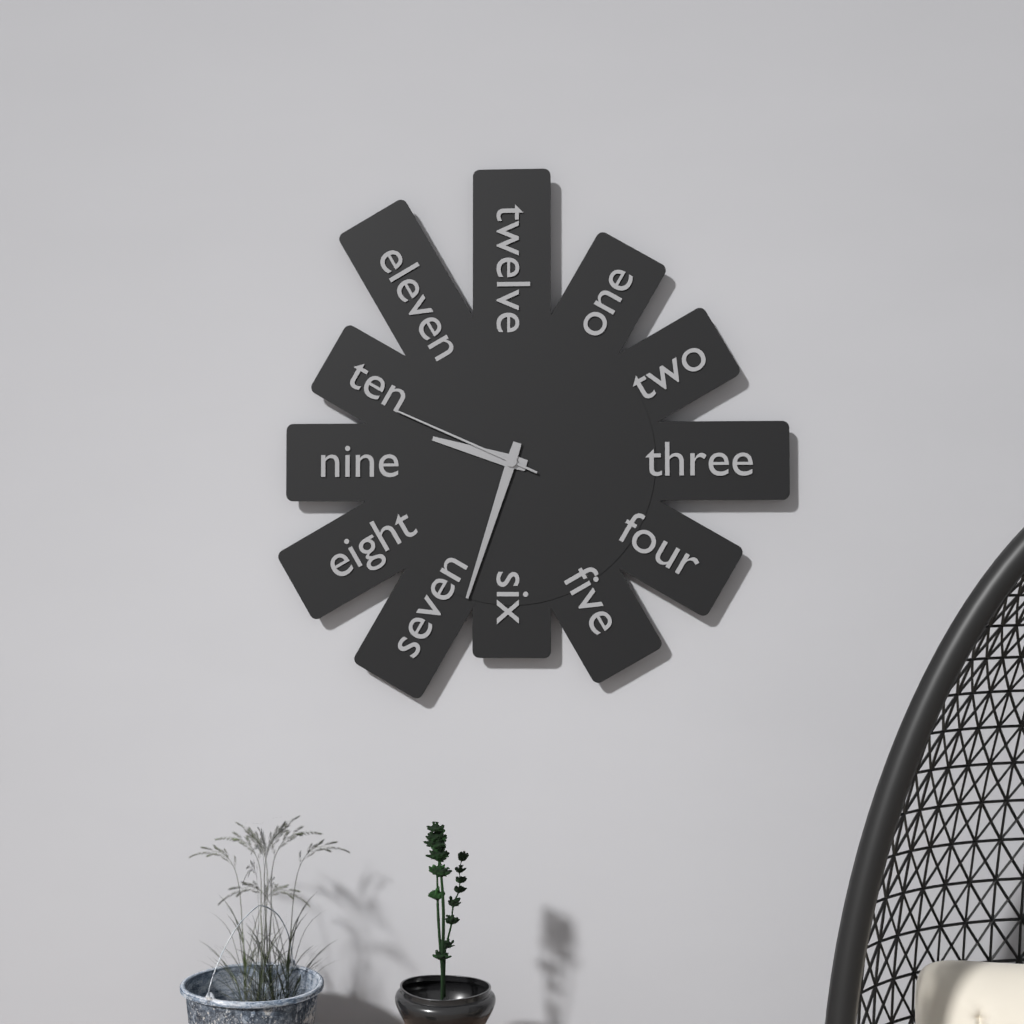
h=9 m=33 s=49
